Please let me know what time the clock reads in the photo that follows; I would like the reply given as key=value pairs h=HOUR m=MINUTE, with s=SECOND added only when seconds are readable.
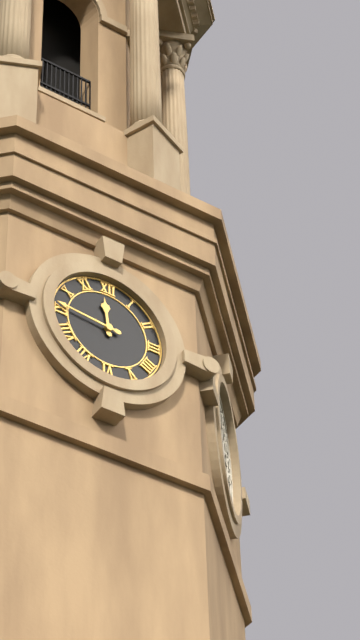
h=11 m=46
